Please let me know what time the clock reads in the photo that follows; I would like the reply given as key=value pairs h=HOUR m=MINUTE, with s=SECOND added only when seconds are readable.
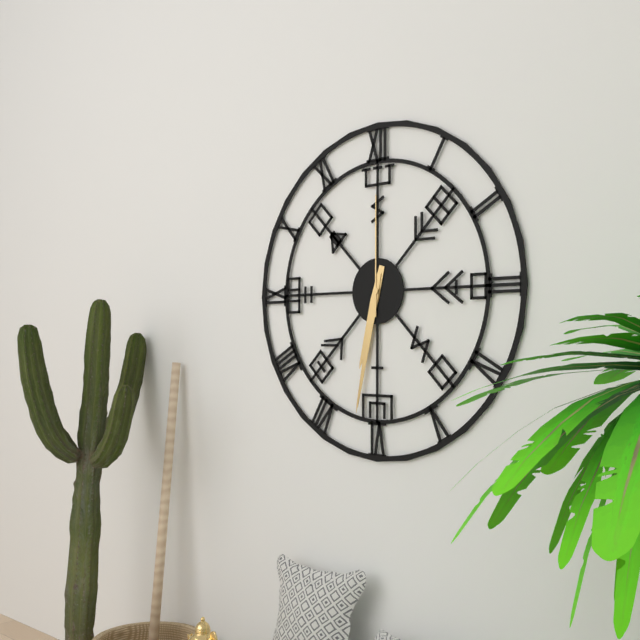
h=6 m=32 s=0
